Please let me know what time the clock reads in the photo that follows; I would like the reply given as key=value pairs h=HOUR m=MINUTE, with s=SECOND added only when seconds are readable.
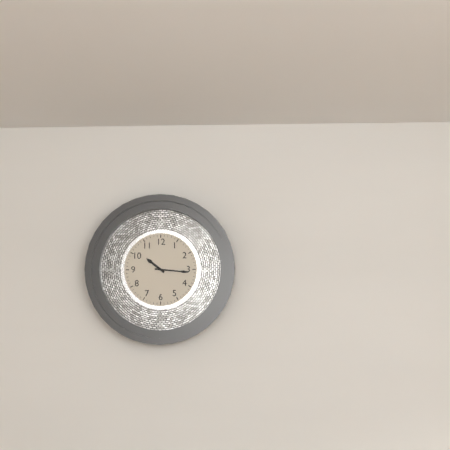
h=10 m=16
